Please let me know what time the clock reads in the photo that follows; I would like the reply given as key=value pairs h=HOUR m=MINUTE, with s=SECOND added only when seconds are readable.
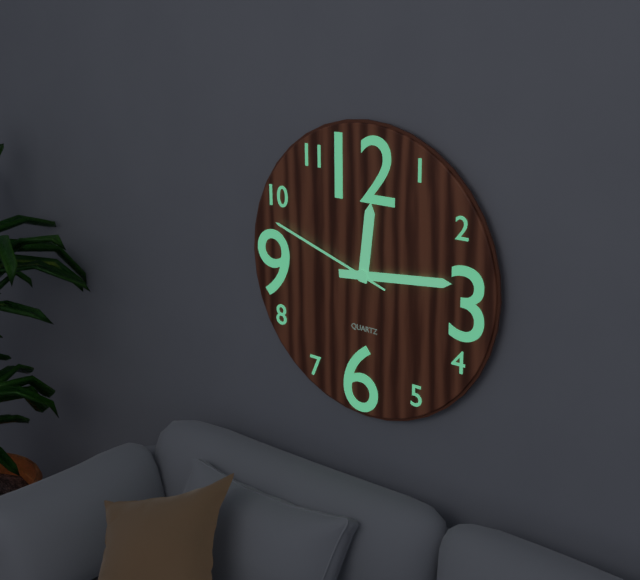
h=12 m=14 s=48
